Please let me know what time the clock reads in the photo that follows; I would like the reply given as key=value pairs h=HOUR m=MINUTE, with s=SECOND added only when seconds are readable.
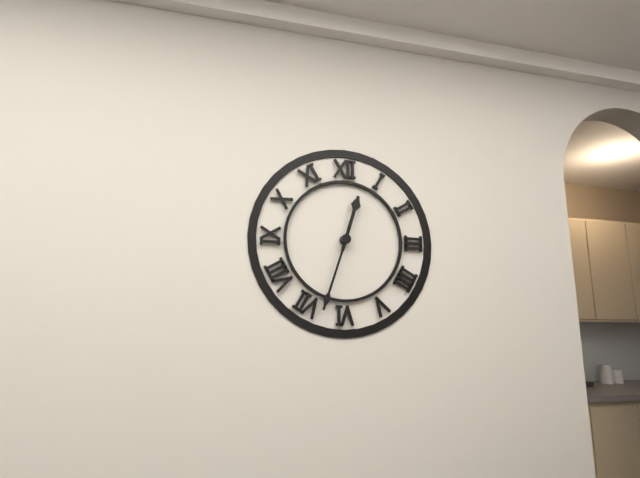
h=12 m=33
